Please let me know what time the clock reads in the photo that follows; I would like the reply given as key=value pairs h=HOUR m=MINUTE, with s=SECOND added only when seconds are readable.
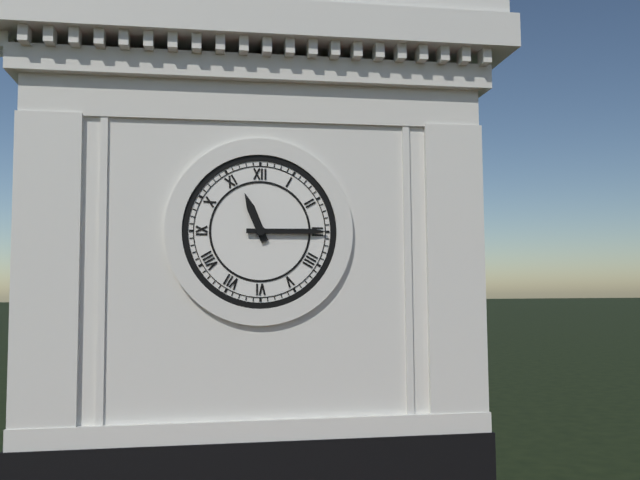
h=11 m=15
